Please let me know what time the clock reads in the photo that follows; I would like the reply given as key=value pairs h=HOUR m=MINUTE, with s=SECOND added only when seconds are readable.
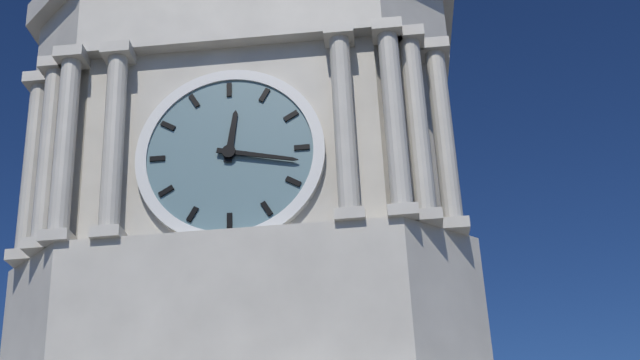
h=12 m=17
